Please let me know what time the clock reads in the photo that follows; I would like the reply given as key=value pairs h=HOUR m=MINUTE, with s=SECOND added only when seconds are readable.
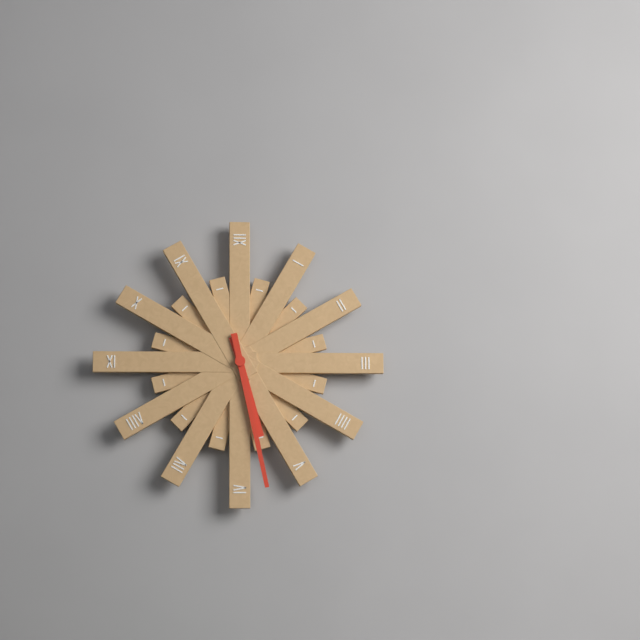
h=5 m=28
